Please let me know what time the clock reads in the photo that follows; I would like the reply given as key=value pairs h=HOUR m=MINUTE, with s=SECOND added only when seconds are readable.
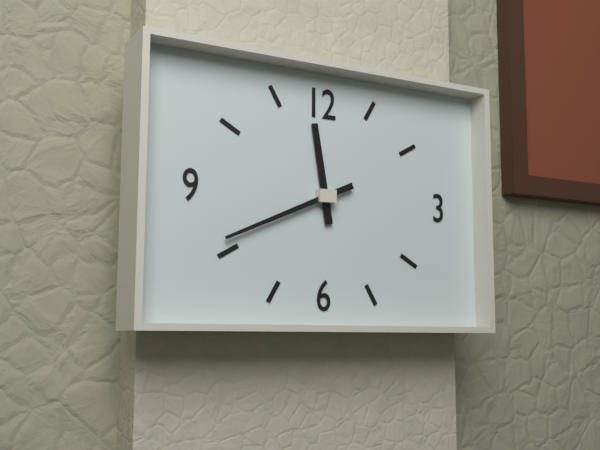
h=11 m=41
